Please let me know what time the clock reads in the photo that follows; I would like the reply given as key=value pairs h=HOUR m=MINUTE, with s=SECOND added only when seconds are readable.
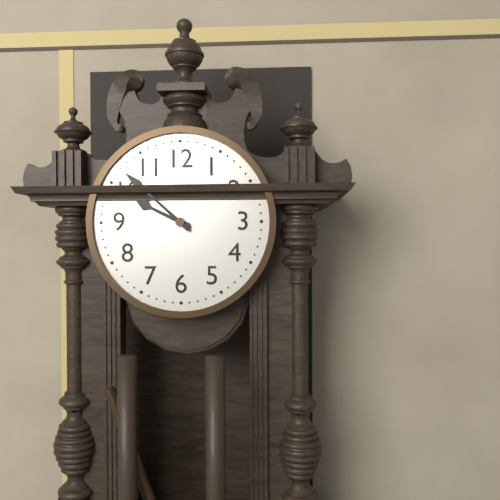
h=9 m=52
